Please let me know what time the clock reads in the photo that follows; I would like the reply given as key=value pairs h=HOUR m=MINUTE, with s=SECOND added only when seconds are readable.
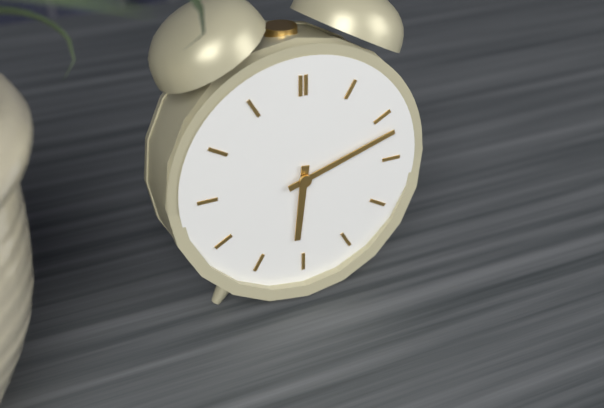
h=6 m=12
